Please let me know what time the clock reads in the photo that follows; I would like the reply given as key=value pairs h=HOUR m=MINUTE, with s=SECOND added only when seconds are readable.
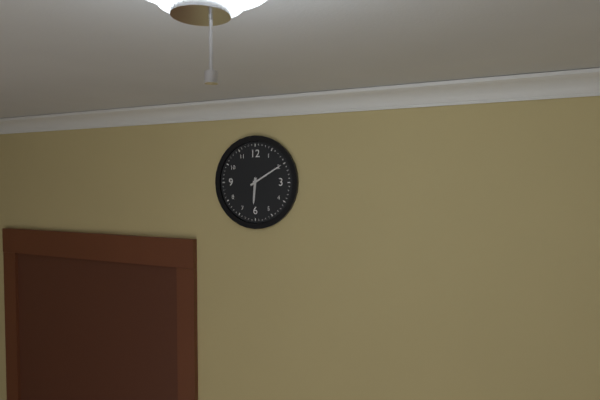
h=6 m=10
